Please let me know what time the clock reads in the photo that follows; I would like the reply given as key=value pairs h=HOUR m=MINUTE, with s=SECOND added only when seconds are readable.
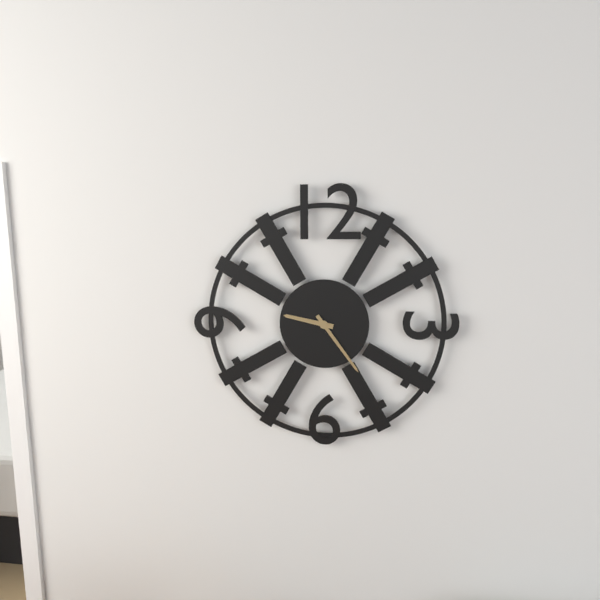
h=9 m=24
